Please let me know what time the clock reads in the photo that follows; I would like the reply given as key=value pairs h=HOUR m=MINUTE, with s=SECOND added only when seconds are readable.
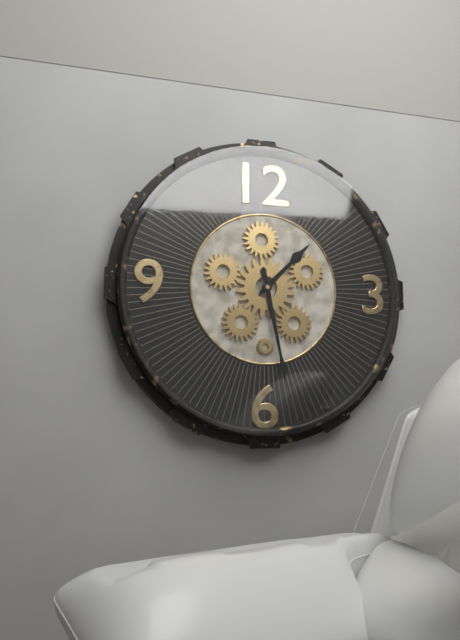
h=1 m=28
